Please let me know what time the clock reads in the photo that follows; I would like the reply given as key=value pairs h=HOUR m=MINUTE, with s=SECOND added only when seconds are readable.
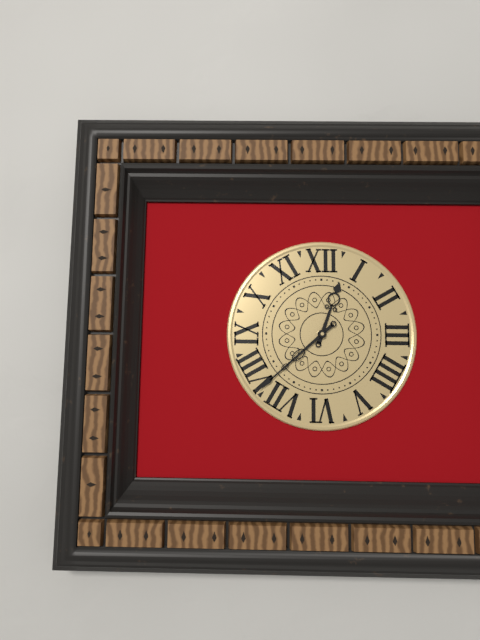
h=12 m=38
